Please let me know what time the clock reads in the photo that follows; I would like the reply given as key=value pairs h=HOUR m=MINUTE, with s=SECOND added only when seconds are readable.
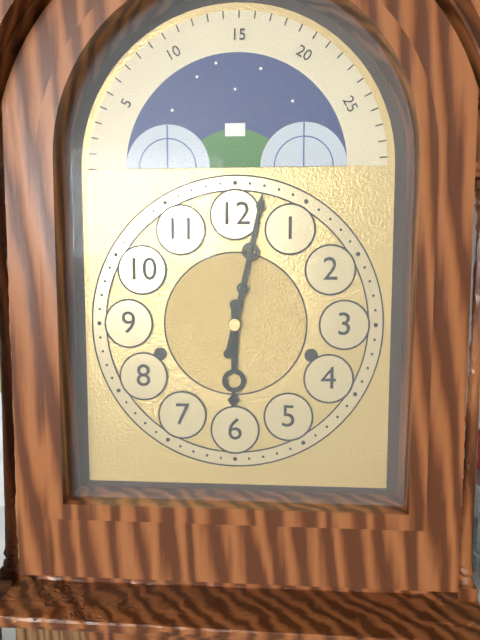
h=6 m=2
